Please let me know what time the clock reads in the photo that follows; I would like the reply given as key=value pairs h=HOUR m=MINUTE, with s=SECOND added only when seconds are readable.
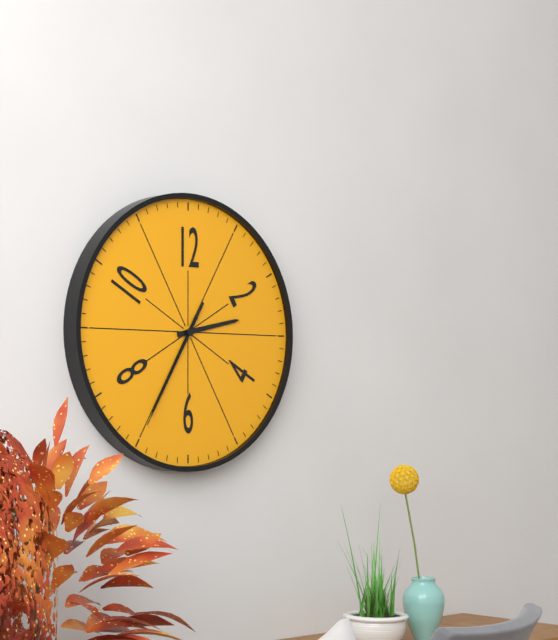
h=2 m=35 s=35
